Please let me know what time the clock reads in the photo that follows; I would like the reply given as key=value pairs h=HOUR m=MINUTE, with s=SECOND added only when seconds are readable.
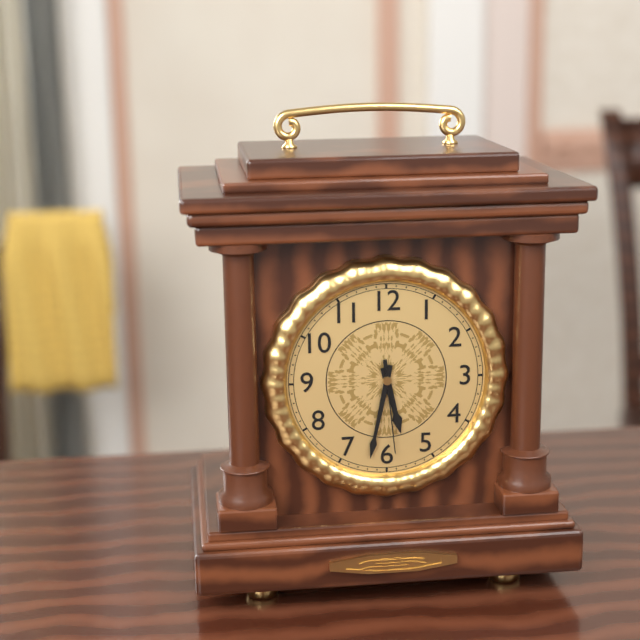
h=5 m=32 s=29
